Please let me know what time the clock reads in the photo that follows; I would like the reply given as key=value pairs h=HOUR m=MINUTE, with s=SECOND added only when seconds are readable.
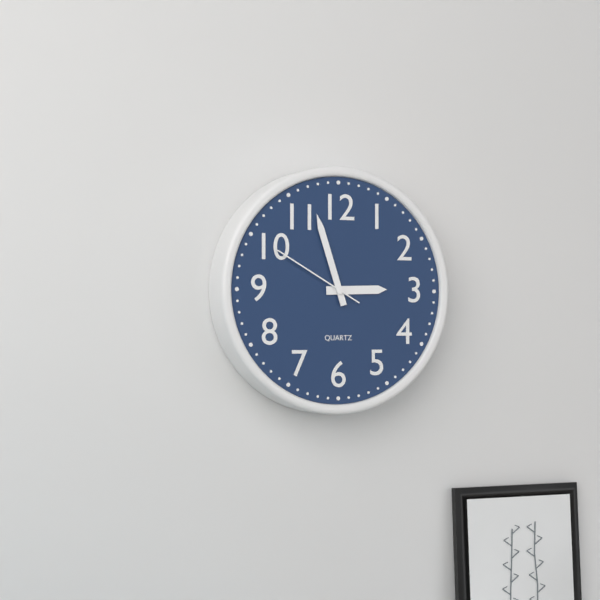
h=2 m=57 s=50
